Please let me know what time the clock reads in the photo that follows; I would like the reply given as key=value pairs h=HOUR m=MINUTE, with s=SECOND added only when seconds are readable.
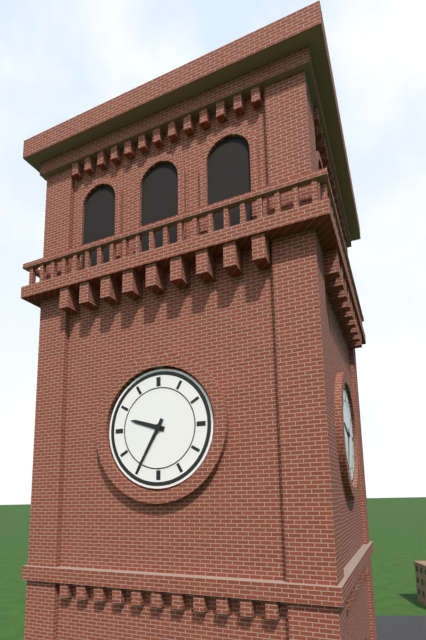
h=9 m=35
